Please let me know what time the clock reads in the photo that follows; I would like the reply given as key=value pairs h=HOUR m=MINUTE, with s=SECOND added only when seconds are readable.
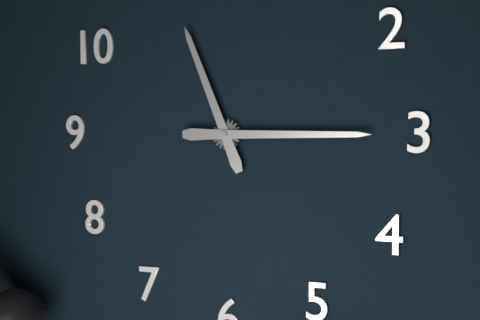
h=11 m=15
